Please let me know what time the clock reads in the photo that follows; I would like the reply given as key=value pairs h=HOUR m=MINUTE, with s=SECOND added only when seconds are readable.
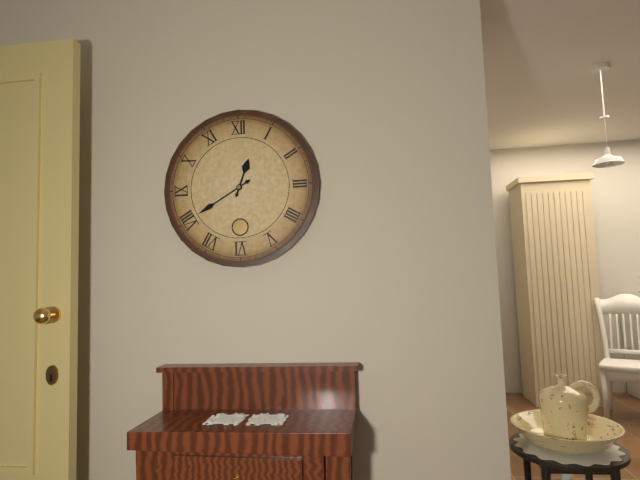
h=12 m=40
